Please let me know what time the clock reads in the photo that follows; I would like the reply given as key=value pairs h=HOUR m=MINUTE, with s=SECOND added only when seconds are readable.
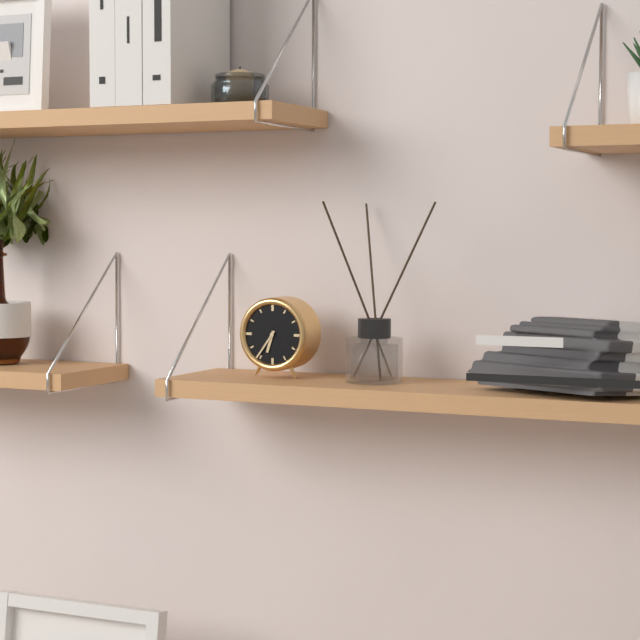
h=6 m=36
